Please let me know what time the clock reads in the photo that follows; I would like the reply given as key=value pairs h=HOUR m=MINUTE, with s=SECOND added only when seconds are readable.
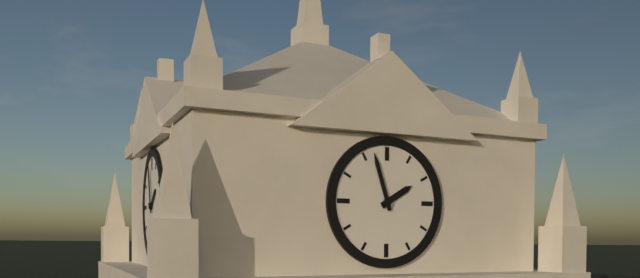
h=1 m=57
